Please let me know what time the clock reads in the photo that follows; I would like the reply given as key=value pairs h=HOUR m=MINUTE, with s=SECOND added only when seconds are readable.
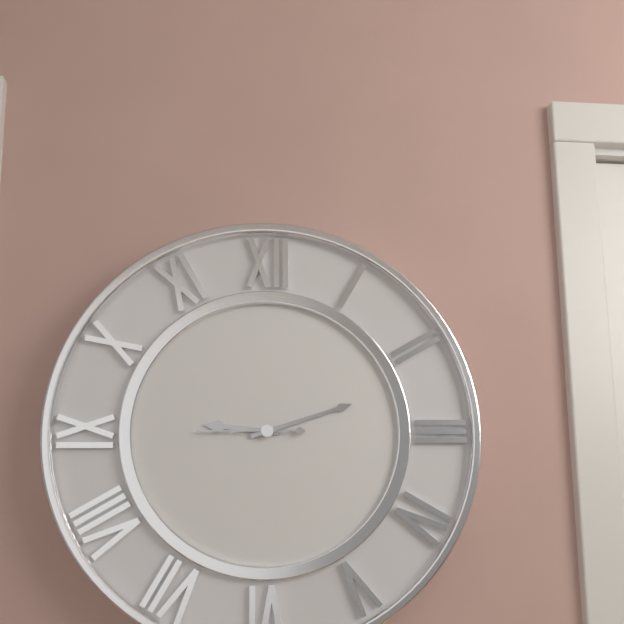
h=9 m=12 s=45
